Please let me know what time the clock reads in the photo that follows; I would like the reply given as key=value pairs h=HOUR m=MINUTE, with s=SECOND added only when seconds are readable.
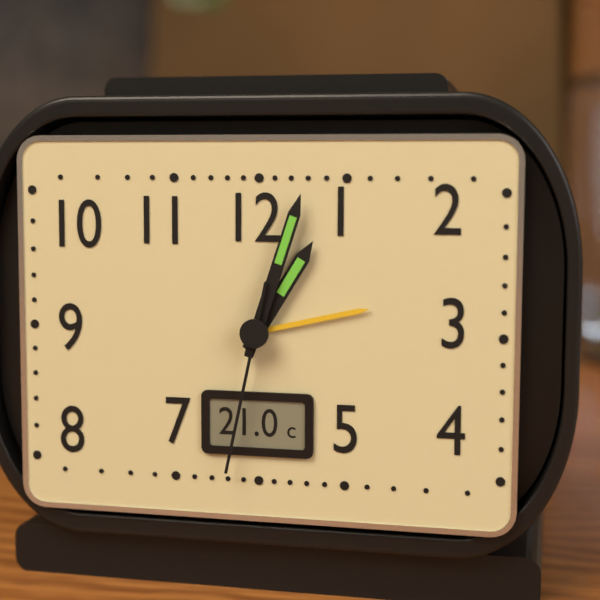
h=1 m=3 s=32
